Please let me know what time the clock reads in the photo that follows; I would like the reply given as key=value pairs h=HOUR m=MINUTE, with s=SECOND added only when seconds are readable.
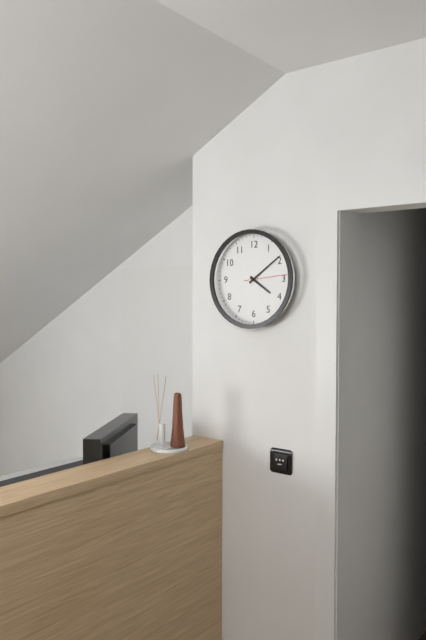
h=4 m=9
